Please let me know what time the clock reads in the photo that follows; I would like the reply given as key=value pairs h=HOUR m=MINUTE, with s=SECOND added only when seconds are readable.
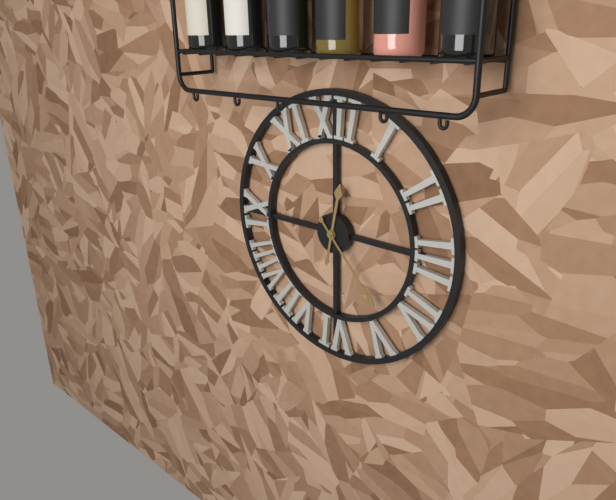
h=12 m=23
